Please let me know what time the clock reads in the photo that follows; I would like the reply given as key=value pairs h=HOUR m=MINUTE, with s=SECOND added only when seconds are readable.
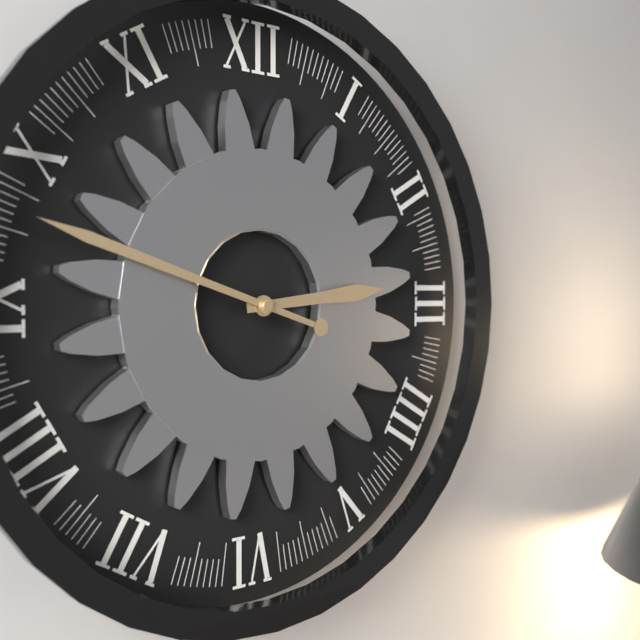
h=2 m=48
